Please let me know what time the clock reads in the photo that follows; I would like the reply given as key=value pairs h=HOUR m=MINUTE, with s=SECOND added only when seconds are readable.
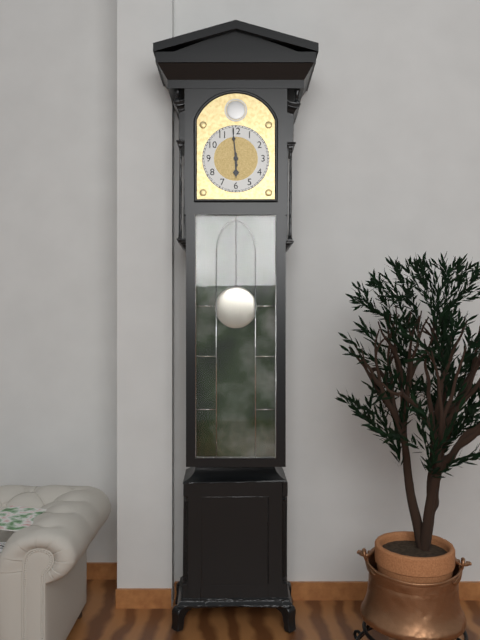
h=5 m=59
